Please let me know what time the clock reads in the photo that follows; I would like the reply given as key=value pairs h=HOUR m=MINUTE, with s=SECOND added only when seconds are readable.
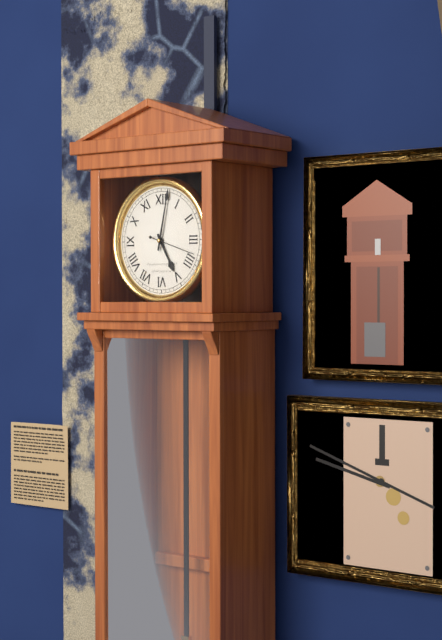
h=5 m=2
